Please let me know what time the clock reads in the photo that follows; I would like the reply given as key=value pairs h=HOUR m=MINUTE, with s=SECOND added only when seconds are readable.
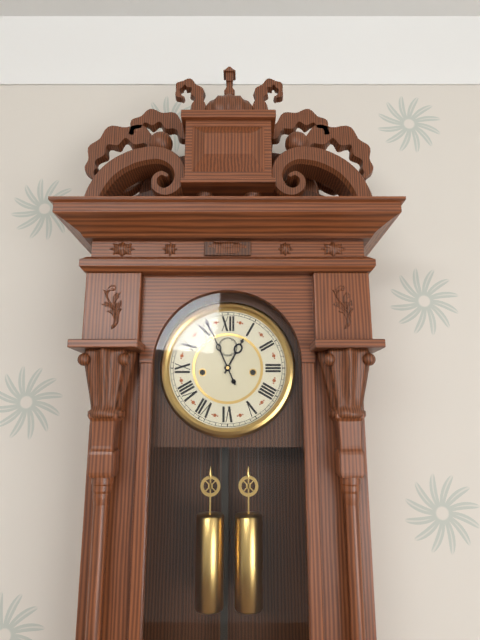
h=12 m=56
